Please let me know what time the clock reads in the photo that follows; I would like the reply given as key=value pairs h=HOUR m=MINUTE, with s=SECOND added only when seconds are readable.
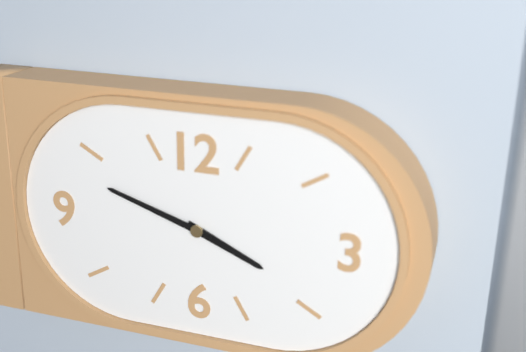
h=3 m=48
